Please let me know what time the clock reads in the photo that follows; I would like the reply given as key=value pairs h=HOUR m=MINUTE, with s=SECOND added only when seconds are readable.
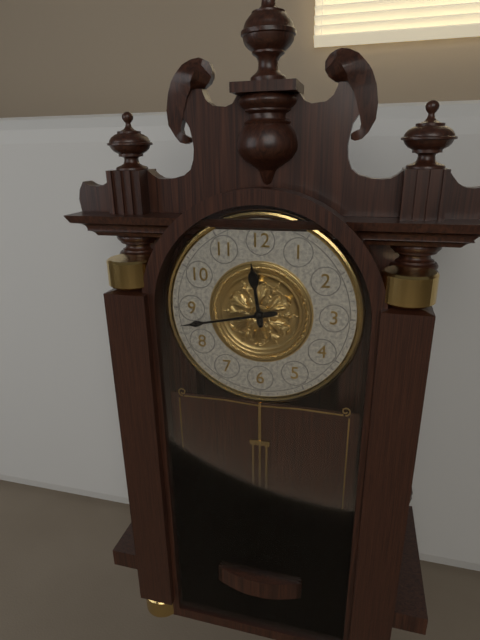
h=11 m=43
